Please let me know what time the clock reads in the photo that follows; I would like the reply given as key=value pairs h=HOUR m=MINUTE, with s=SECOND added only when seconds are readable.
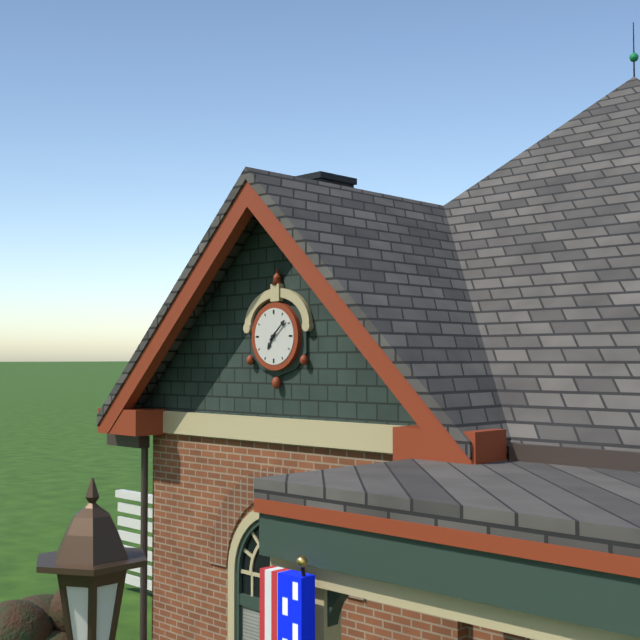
h=7 m=8
